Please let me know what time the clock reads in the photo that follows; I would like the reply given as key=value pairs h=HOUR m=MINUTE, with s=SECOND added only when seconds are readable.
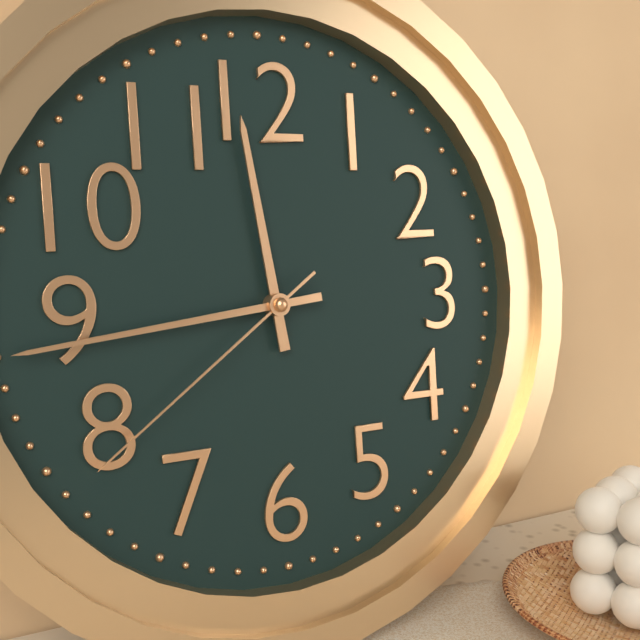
h=11 m=44 s=39
